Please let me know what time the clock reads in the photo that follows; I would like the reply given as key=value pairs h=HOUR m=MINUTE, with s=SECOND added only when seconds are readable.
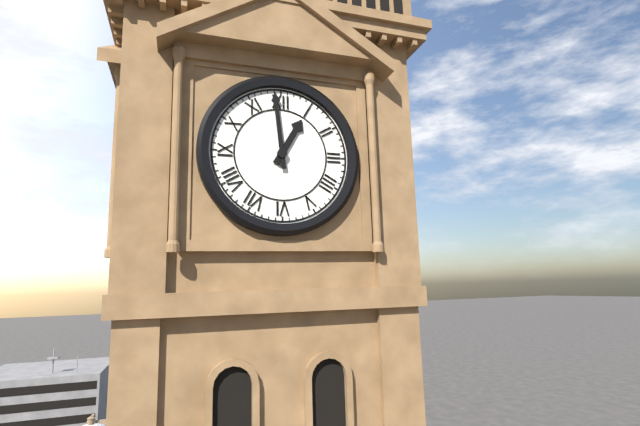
h=12 m=59
